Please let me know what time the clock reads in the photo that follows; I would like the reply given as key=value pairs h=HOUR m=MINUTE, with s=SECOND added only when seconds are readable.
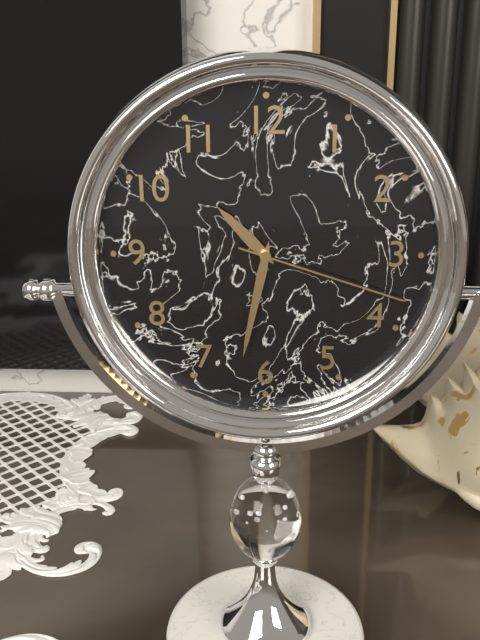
h=10 m=32 s=18
